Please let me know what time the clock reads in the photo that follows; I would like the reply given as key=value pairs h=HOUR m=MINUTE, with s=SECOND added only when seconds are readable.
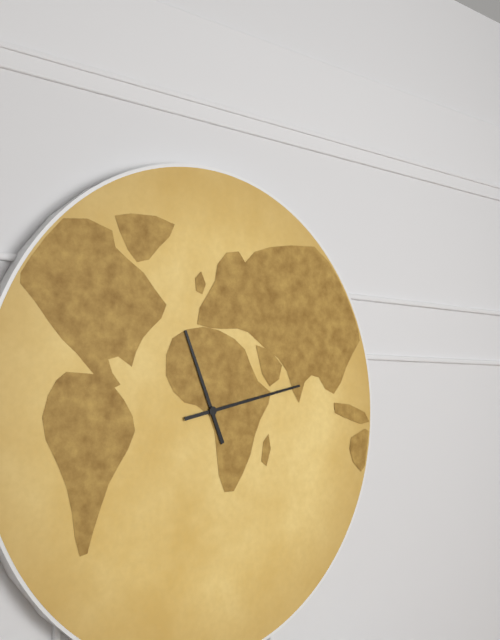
h=11 m=13
